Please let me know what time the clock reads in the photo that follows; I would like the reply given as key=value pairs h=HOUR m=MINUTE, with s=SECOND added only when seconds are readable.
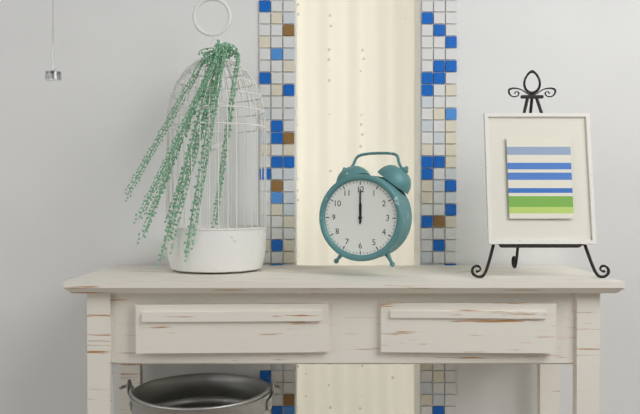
h=12 m=0
